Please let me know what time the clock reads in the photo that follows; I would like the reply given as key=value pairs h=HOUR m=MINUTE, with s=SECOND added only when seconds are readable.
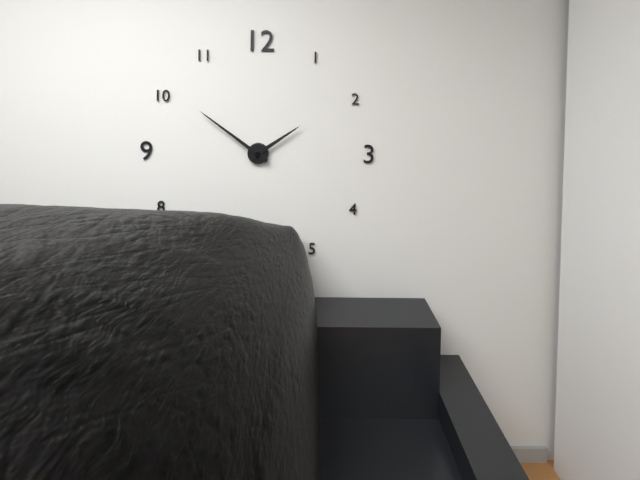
h=1 m=51
